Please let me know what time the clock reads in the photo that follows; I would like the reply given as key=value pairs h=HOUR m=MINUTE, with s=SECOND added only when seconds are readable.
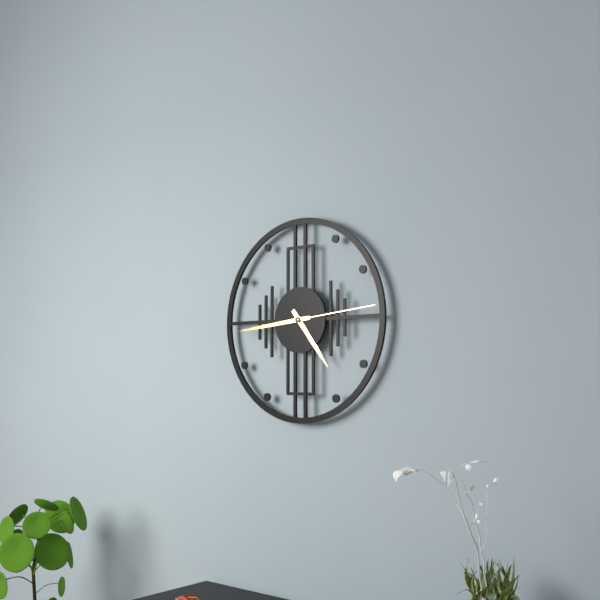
h=4 m=44 s=14
